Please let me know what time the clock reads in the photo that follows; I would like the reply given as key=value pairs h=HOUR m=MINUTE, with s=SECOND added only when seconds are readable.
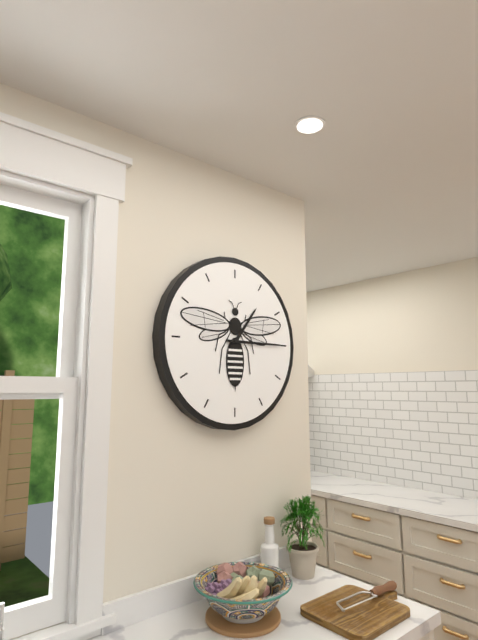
h=1 m=15
